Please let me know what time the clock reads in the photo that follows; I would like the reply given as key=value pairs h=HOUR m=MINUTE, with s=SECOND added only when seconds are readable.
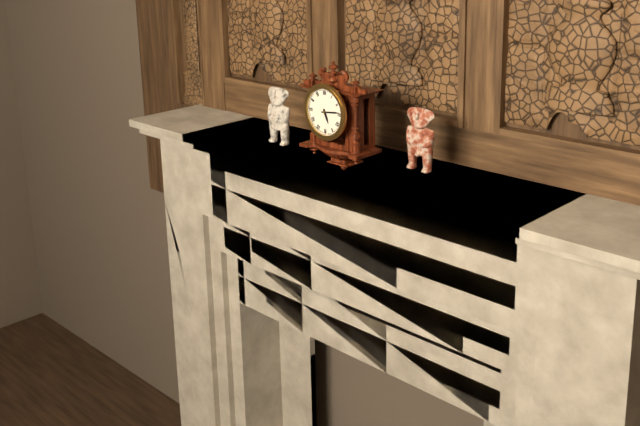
h=5 m=14
